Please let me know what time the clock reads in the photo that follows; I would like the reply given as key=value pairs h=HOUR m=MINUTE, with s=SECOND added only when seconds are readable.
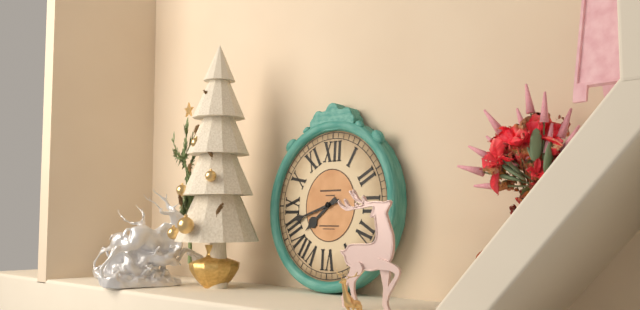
h=7 m=42
